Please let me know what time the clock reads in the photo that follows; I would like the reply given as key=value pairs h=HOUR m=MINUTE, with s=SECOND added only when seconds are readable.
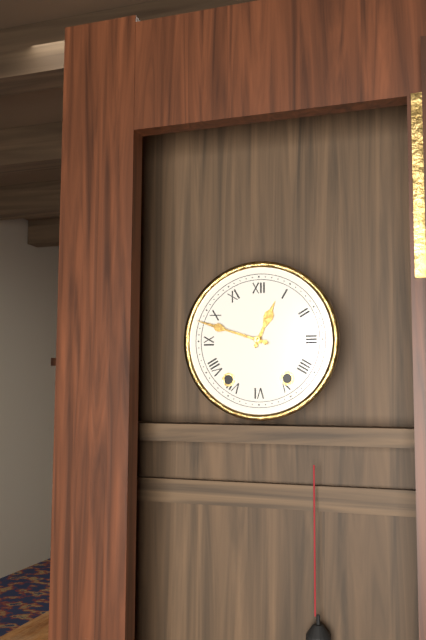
h=12 m=48
